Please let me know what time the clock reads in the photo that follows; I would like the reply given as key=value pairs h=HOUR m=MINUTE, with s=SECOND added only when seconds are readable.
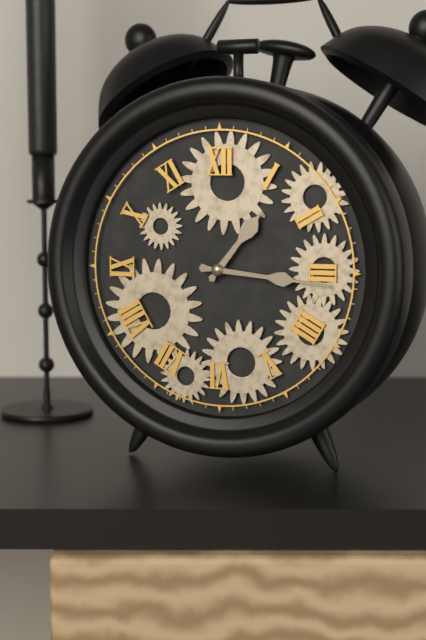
h=1 m=16
